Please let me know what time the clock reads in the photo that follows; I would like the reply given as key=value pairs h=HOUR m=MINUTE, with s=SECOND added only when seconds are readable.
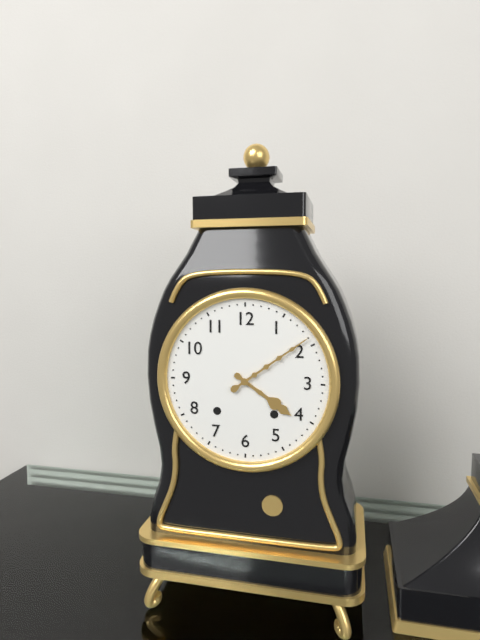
h=4 m=9
